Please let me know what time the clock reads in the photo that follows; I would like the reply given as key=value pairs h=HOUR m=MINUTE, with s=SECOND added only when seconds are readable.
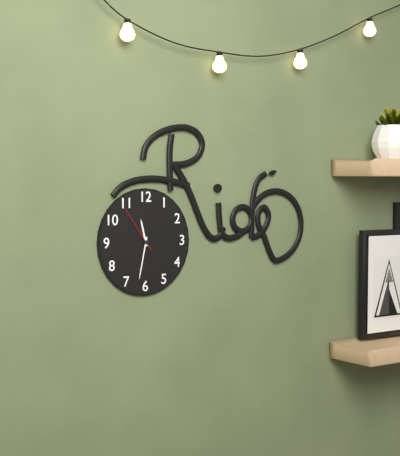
h=11 m=32
